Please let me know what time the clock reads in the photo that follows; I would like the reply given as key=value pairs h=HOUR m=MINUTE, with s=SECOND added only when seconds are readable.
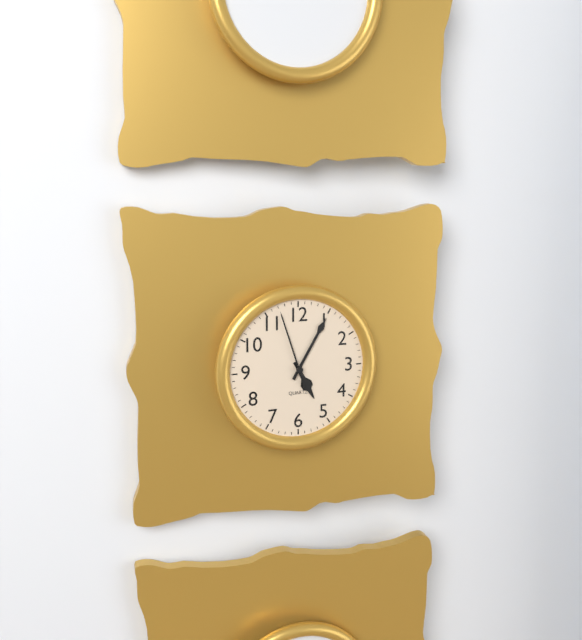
h=5 m=5 s=57
